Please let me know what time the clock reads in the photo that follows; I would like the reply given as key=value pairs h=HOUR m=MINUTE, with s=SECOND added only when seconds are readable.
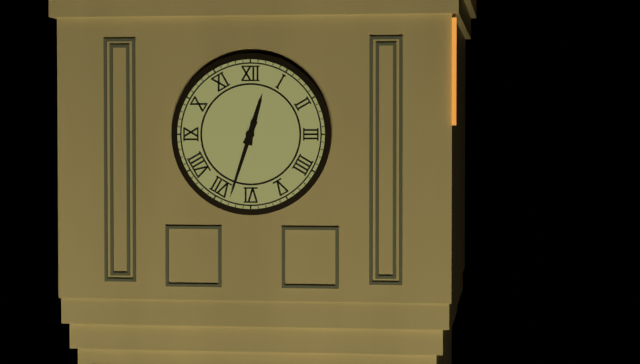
h=12 m=33
